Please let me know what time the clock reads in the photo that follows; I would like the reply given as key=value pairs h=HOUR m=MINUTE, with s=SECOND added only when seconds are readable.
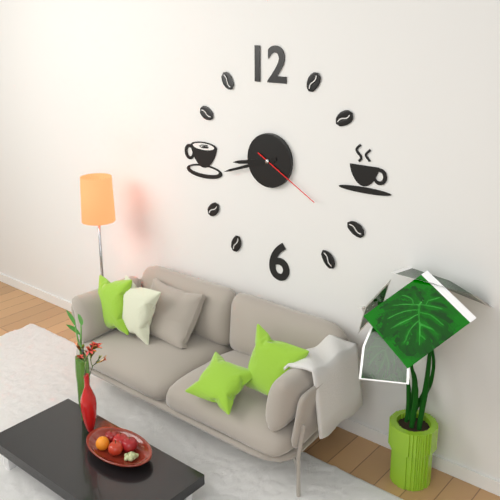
h=8 m=42 s=20
